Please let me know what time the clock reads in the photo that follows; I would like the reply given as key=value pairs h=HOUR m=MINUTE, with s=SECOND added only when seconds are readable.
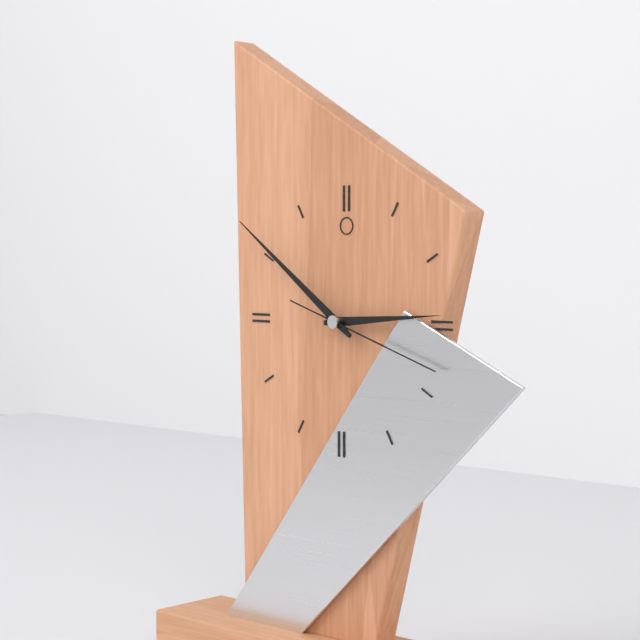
h=2 m=51 s=18
